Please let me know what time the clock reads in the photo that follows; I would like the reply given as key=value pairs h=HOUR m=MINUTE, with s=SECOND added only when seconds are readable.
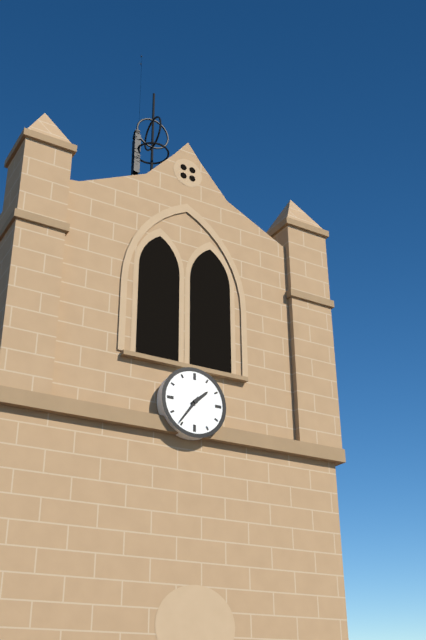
h=1 m=36
